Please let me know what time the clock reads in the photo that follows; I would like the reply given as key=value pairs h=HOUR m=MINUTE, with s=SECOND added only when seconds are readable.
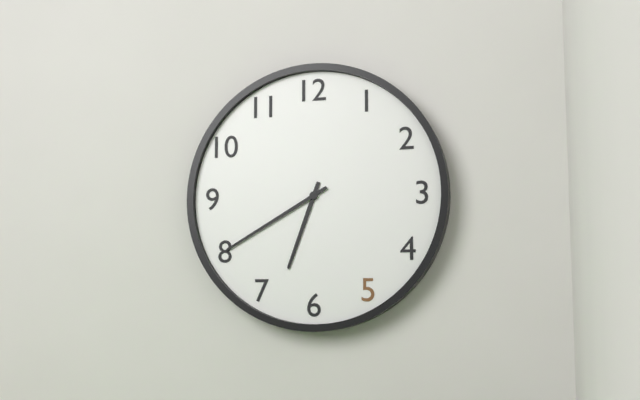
h=6 m=40
